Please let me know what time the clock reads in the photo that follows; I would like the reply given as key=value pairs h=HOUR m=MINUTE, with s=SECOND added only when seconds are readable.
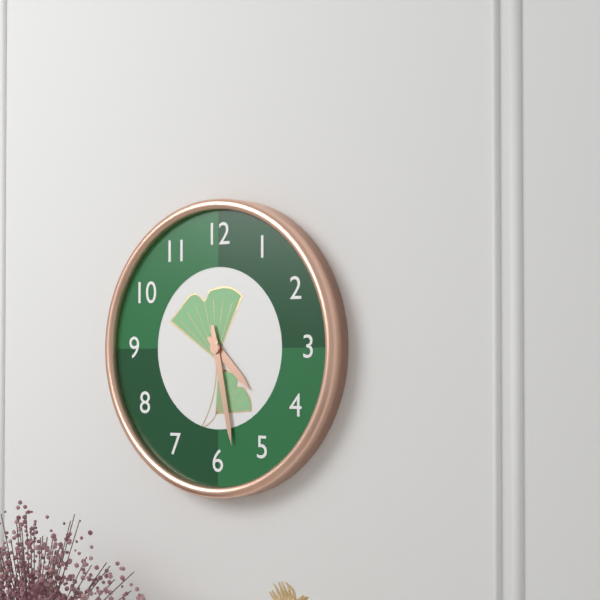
h=4 m=28
